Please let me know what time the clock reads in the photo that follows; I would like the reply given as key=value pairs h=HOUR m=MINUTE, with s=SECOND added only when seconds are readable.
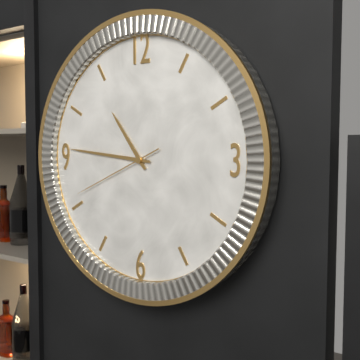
h=10 m=46 s=41
